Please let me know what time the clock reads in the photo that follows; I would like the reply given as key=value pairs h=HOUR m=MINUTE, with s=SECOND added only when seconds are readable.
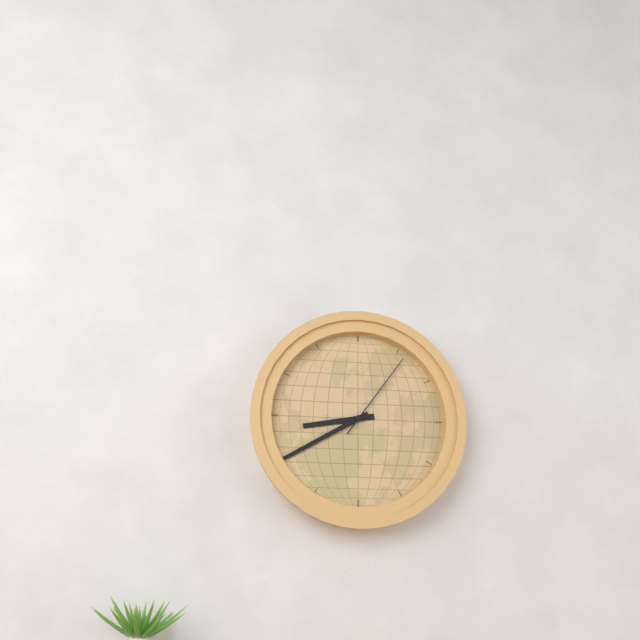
h=8 m=40 s=6
